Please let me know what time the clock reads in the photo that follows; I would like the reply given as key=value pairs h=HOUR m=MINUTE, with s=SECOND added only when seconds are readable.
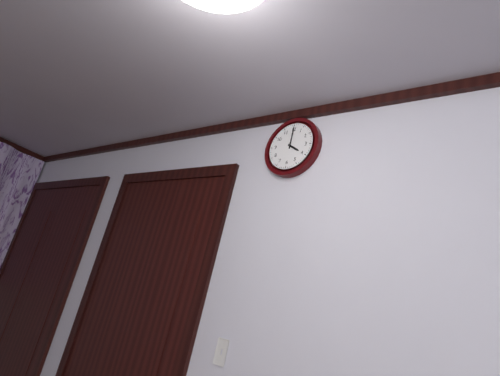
h=4 m=0
